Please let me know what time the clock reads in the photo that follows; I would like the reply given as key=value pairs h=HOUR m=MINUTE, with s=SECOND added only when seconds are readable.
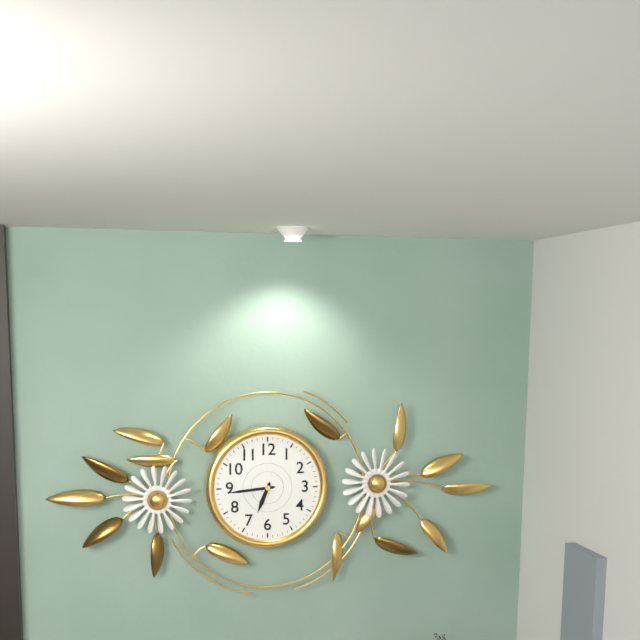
h=6 m=44
